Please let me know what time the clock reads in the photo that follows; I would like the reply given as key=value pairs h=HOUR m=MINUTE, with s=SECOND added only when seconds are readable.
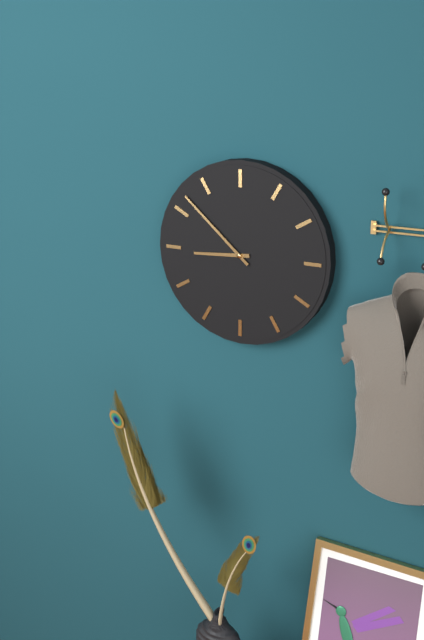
h=8 m=52
